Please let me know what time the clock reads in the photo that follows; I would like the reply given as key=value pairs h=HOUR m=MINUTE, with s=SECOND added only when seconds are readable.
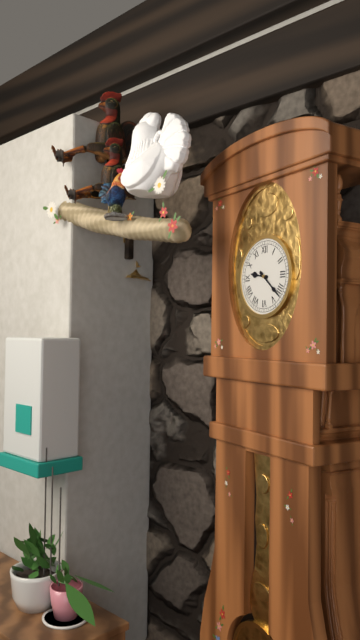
h=9 m=22
